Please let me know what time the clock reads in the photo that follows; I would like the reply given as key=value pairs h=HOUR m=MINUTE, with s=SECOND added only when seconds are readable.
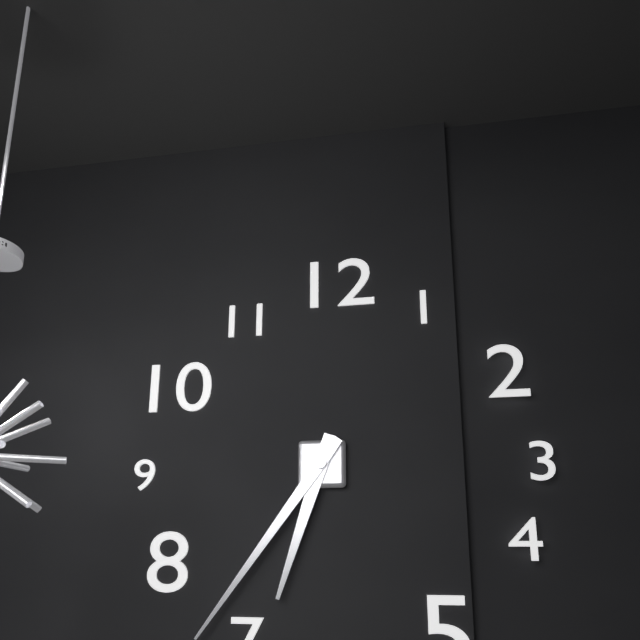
h=6 m=36
